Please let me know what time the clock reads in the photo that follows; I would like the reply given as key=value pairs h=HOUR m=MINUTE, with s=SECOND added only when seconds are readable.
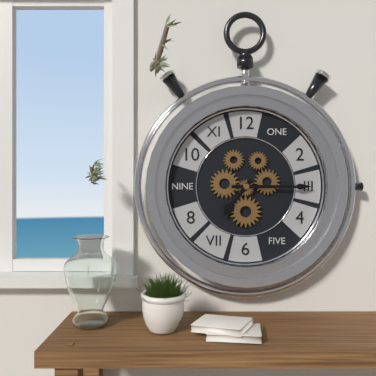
h=7 m=15
